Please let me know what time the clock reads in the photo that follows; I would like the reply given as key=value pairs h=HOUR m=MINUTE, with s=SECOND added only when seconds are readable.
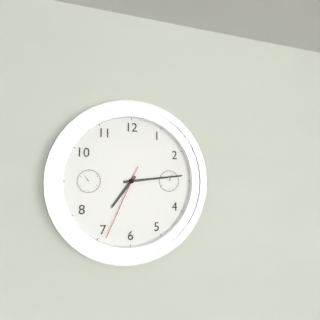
h=7 m=14 s=34
